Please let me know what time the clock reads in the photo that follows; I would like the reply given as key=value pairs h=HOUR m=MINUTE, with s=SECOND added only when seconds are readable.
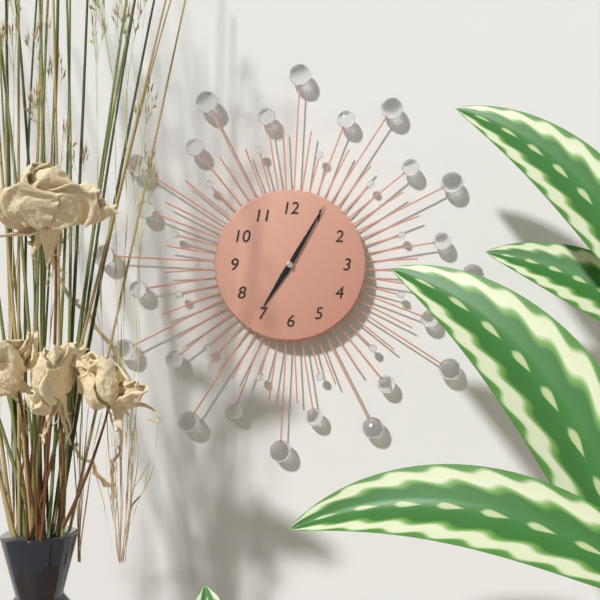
h=7 m=5
